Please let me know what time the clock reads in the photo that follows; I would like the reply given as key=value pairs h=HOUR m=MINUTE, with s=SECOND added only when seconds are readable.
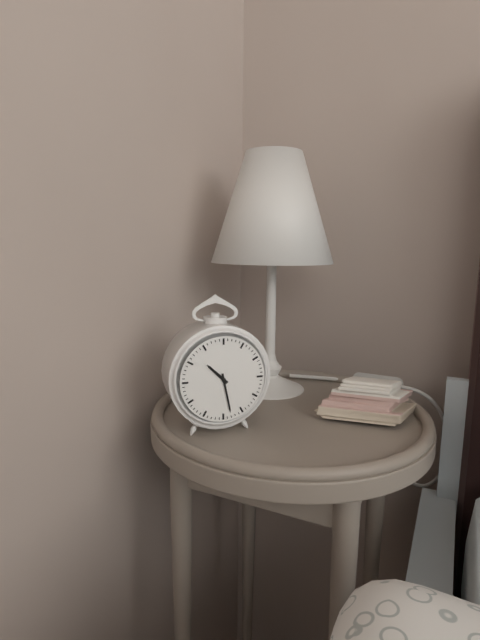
h=10 m=28
